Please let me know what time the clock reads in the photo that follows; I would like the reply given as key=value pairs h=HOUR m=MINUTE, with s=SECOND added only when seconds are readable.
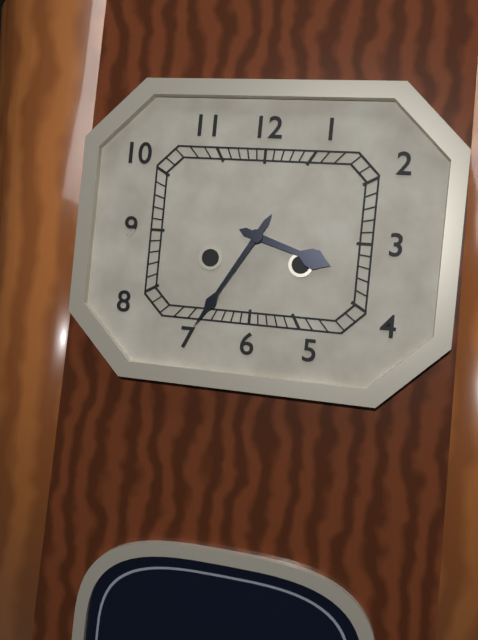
h=3 m=35
